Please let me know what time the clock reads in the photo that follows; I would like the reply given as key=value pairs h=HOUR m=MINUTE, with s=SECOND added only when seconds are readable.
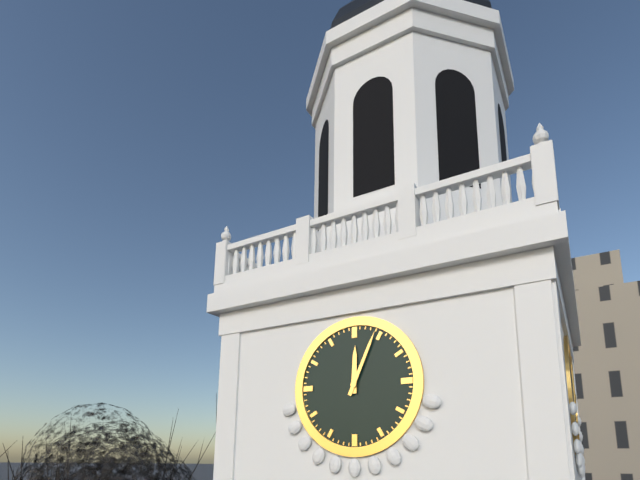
h=12 m=4
